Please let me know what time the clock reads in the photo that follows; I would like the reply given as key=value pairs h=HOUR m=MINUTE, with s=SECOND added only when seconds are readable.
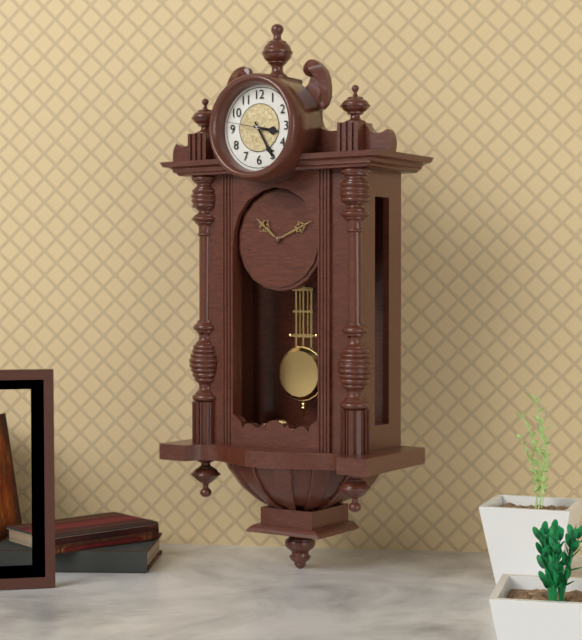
h=3 m=25
